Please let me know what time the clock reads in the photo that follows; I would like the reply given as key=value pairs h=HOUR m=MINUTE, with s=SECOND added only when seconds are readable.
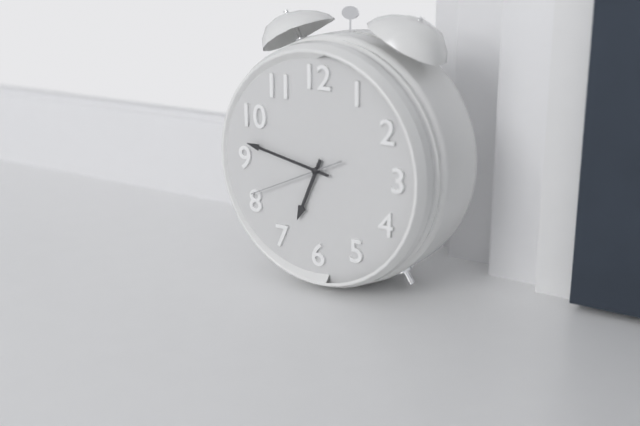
h=6 m=47 s=41
